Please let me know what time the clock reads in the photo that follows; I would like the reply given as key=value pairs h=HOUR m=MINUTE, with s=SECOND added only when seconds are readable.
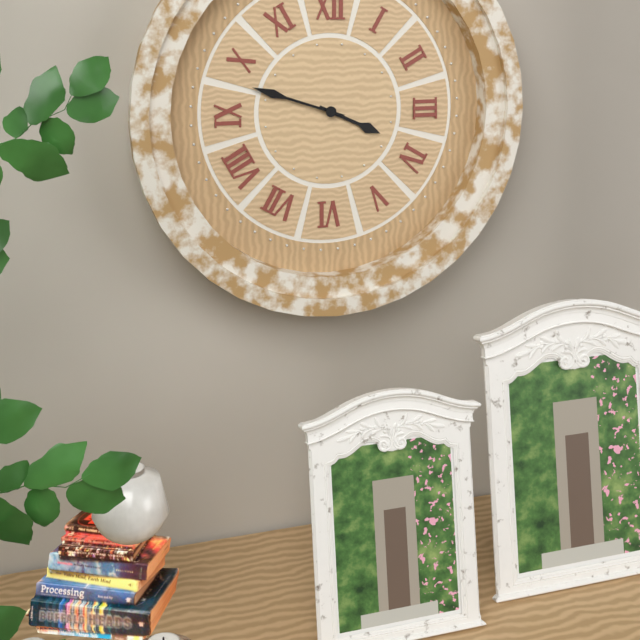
h=3 m=48
